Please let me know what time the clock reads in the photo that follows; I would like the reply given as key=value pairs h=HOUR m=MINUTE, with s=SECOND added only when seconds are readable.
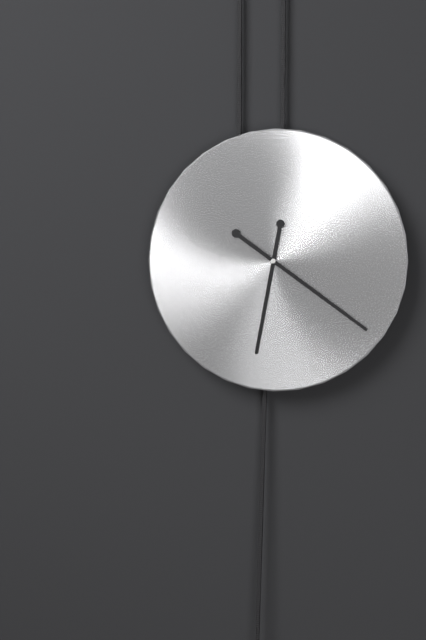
h=6 m=21
